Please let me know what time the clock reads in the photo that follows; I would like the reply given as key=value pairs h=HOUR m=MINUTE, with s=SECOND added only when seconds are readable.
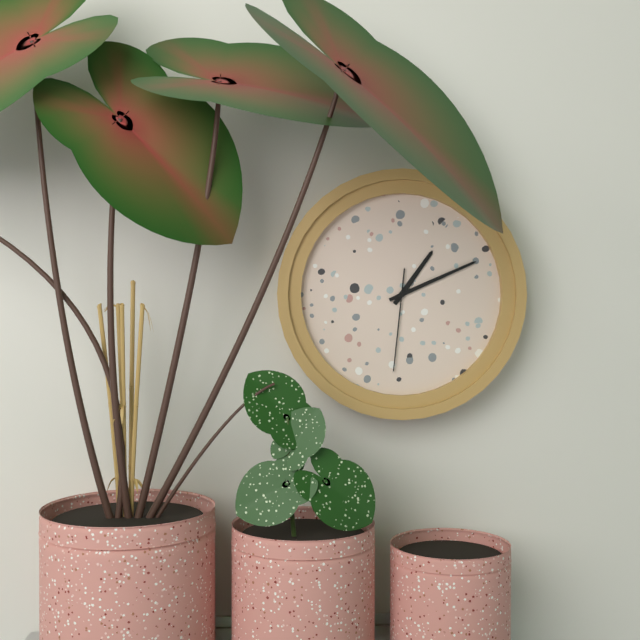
h=1 m=11 s=31
